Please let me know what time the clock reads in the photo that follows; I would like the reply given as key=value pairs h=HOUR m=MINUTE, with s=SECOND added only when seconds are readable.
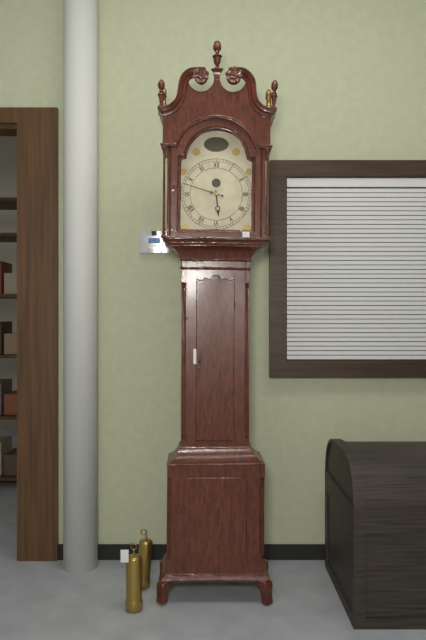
h=5 m=48
